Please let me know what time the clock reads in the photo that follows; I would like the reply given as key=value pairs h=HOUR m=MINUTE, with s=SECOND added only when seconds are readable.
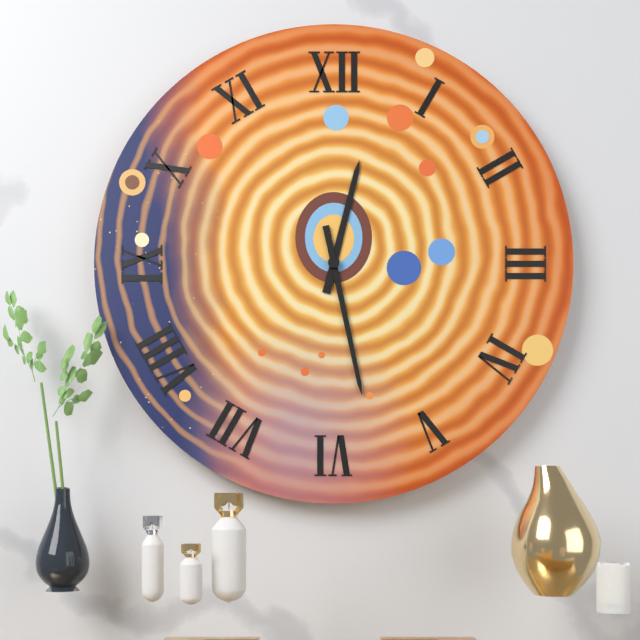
h=12 m=28
